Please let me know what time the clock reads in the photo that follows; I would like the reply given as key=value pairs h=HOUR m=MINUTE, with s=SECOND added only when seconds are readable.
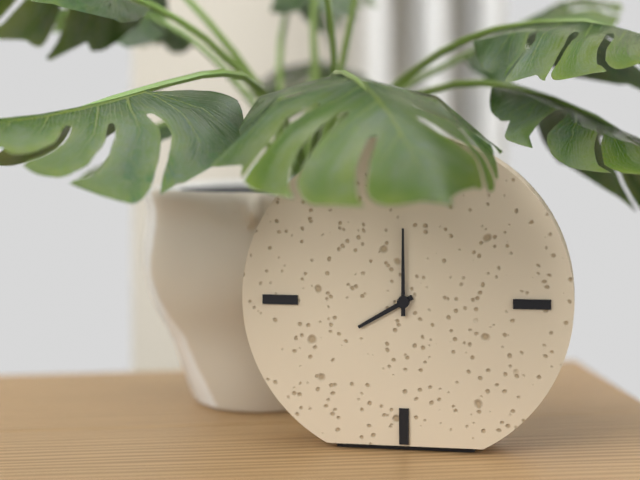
h=8 m=0
